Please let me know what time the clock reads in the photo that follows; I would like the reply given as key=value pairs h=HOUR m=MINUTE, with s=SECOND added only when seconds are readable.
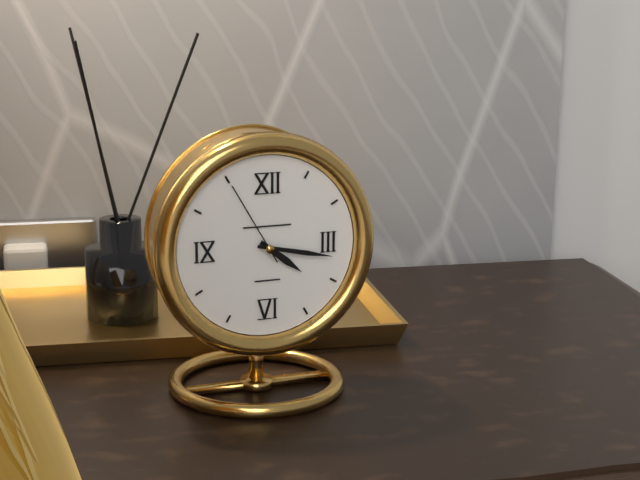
h=4 m=17 s=55
